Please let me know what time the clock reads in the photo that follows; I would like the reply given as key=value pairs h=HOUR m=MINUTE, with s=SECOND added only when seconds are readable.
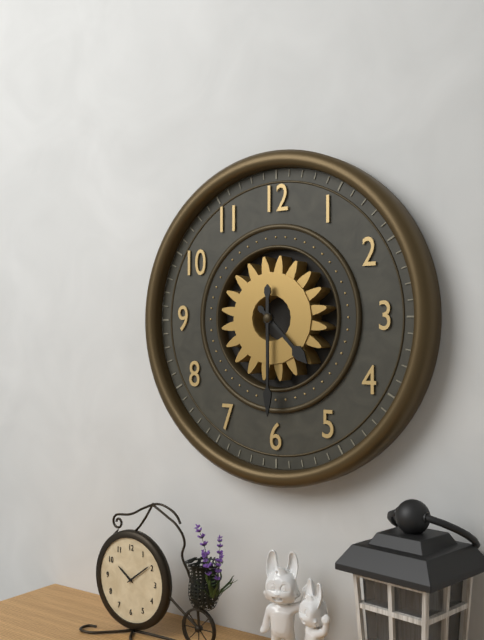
h=4 m=30
